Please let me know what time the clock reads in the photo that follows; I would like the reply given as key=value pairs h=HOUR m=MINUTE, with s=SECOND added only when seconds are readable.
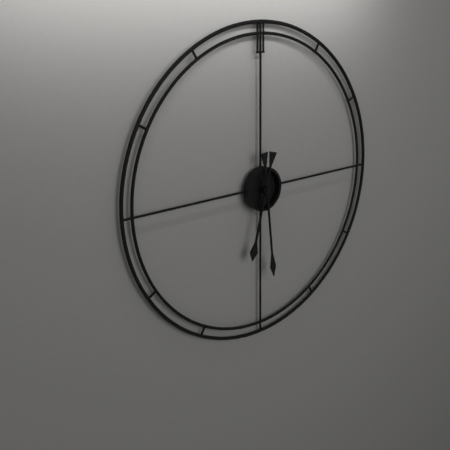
h=6 m=29
